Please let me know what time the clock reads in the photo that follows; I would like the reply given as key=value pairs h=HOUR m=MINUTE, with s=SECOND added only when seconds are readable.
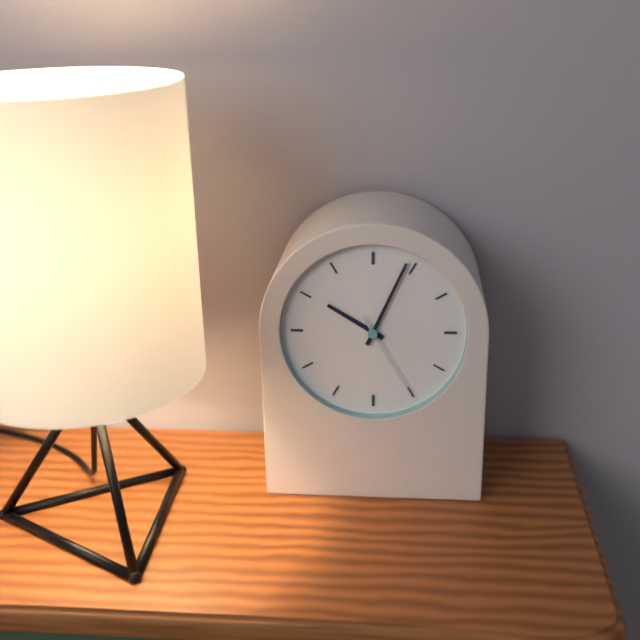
h=10 m=4 s=25
